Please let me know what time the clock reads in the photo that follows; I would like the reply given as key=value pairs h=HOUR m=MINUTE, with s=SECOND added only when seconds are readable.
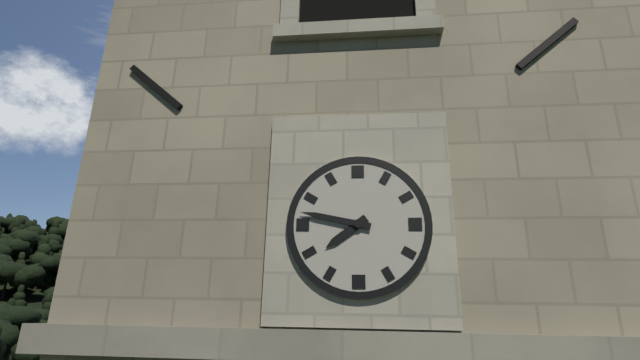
h=7 m=47
